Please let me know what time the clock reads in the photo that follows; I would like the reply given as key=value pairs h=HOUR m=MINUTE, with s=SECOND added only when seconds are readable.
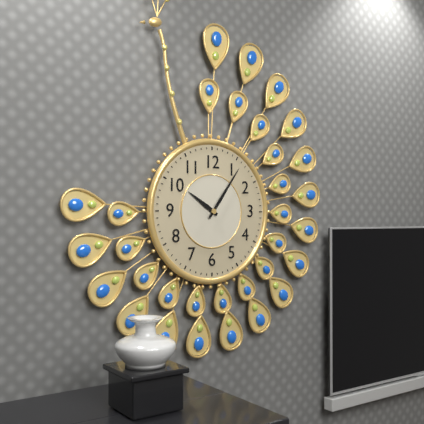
h=10 m=6
